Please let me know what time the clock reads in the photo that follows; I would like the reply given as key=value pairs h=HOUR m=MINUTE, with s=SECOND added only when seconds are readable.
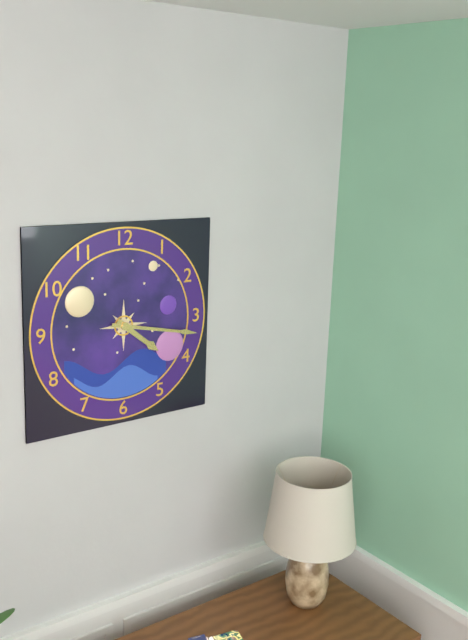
h=4 m=17
